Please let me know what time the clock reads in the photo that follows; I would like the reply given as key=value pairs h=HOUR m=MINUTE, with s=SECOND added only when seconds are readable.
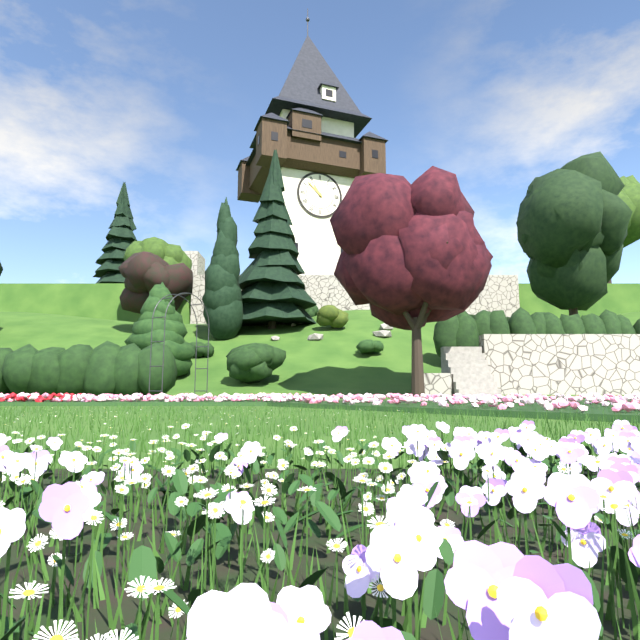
h=10 m=52
